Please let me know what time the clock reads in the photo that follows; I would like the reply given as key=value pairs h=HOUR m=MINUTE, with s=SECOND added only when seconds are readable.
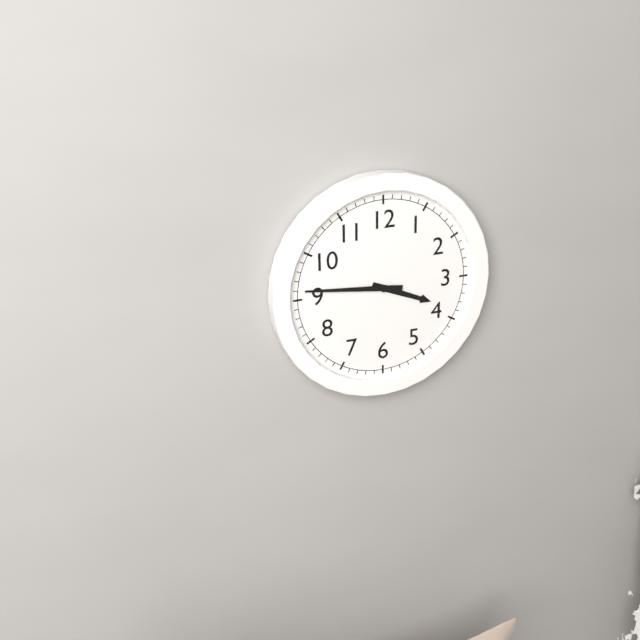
h=3 m=46
